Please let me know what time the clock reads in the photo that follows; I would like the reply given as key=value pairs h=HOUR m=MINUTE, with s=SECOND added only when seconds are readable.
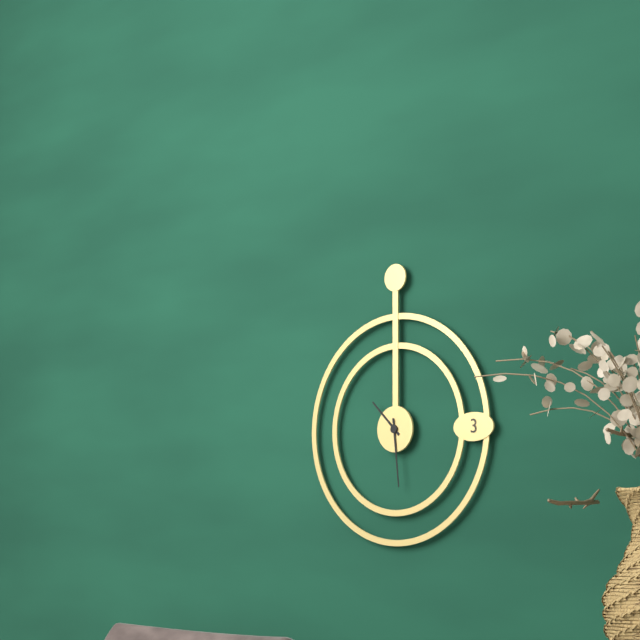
h=10 m=29
